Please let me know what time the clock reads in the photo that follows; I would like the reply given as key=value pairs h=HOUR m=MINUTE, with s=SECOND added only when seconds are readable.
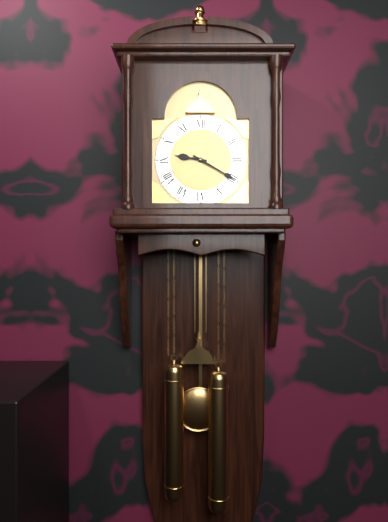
h=9 m=20
